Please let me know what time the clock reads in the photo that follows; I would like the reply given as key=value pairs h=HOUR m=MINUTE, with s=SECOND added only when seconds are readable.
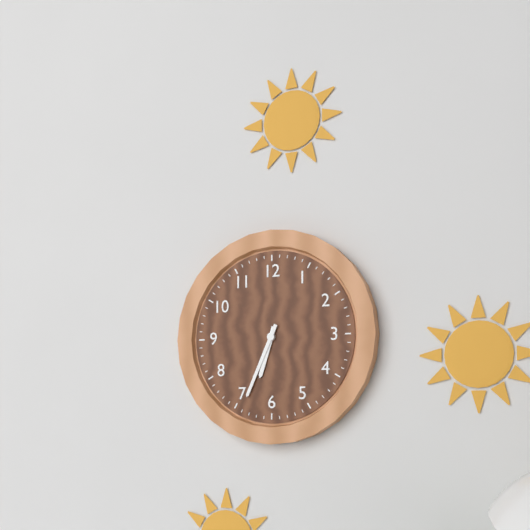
h=6 m=34
